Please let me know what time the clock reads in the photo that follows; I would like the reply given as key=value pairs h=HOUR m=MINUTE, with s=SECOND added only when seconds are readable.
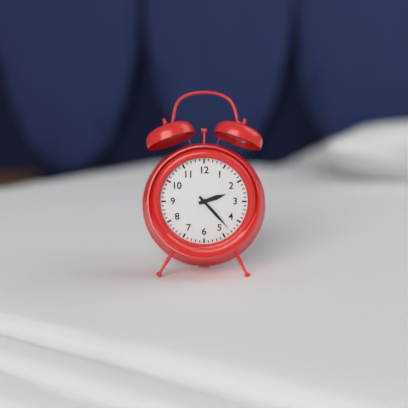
h=2 m=23
